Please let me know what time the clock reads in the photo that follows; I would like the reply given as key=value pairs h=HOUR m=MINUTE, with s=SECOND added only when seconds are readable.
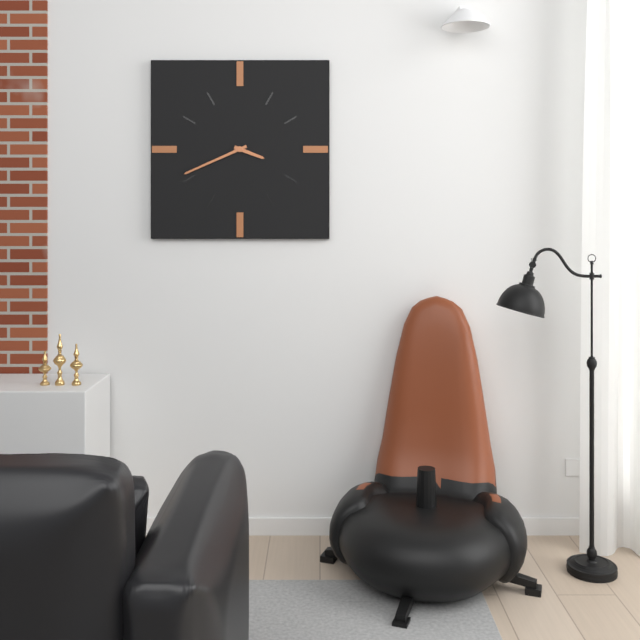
h=3 m=41
